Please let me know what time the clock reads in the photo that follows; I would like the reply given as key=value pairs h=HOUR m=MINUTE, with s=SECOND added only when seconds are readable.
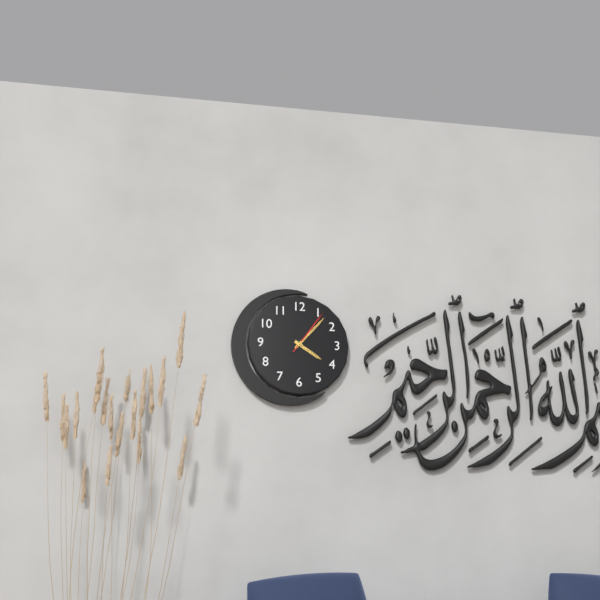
h=4 m=7 s=6
